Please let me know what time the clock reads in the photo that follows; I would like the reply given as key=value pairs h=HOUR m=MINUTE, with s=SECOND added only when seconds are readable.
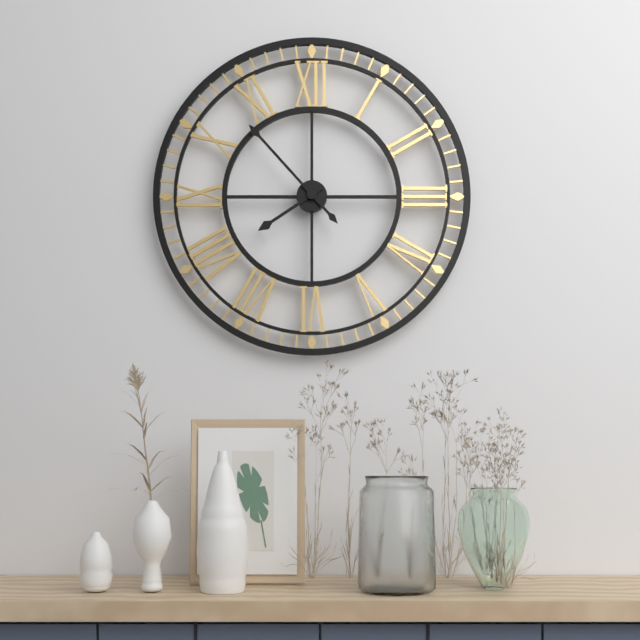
h=7 m=53
